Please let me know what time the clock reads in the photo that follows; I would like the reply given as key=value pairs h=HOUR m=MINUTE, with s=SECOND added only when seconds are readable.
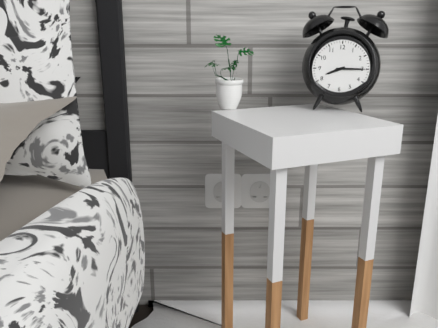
h=8 m=15
